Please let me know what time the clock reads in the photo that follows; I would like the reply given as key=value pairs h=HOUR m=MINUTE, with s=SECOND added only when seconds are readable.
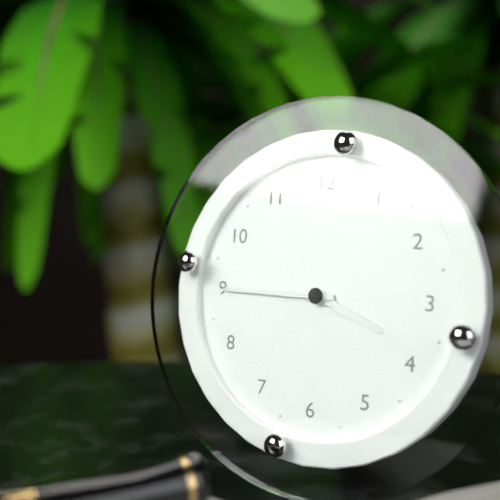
h=3 m=45
